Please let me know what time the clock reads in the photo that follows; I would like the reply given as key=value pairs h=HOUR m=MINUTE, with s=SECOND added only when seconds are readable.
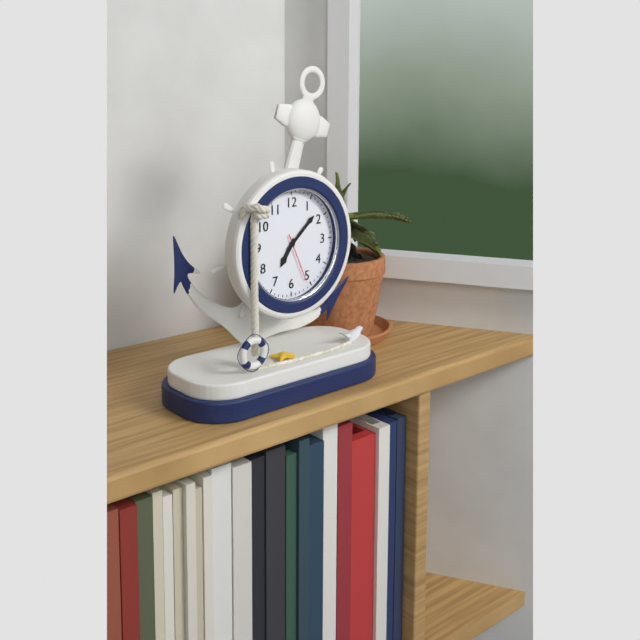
h=7 m=8
